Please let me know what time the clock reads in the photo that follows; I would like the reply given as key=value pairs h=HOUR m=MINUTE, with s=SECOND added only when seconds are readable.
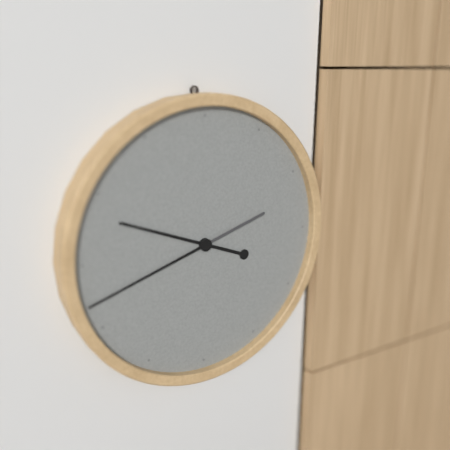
h=9 m=42
